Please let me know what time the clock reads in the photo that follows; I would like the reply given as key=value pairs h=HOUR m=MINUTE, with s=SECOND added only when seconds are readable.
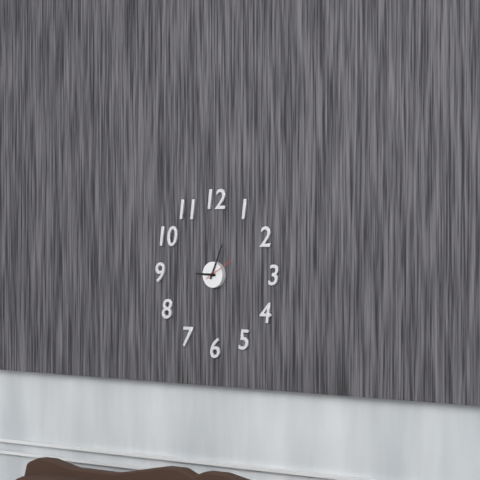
h=9 m=4
